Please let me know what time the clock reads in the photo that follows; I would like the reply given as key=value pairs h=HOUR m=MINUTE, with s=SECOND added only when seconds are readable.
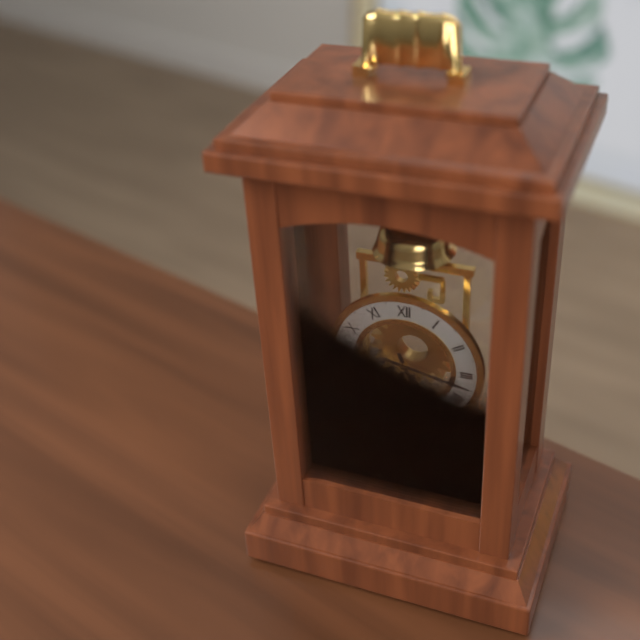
h=5 m=17
